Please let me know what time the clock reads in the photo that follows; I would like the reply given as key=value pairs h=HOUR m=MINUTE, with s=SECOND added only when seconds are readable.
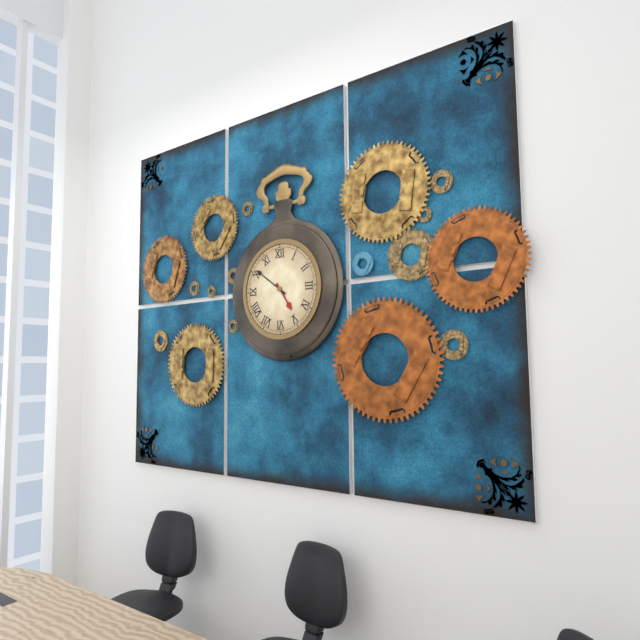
h=4 m=51
